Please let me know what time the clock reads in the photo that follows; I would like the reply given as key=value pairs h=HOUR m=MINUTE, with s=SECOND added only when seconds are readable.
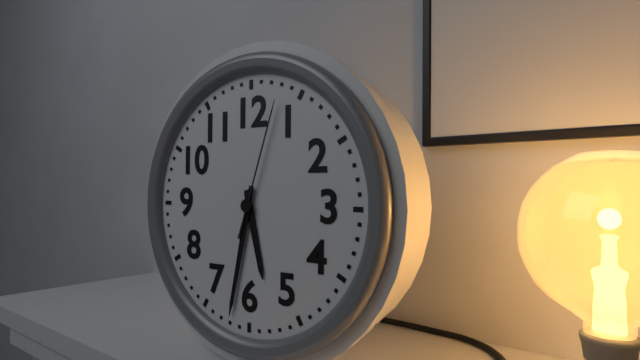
h=5 m=32 s=3
